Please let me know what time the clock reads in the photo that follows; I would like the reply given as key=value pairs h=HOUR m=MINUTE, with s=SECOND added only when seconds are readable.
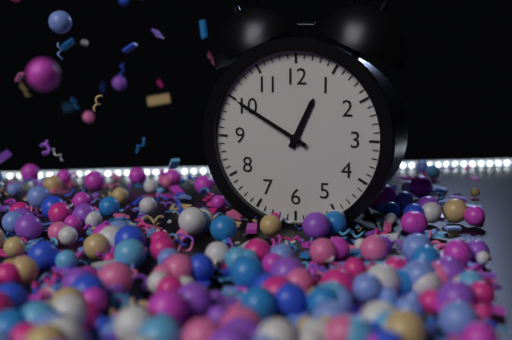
h=12 m=50
